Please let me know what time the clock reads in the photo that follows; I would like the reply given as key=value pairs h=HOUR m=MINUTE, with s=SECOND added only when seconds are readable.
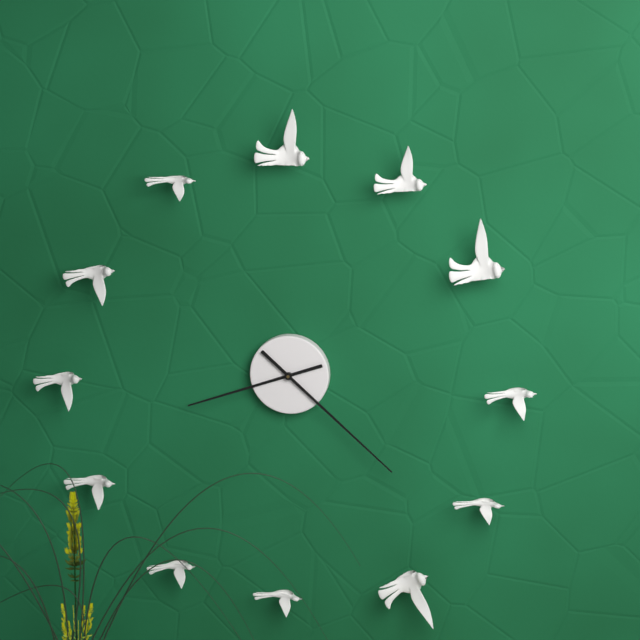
h=8 m=22
